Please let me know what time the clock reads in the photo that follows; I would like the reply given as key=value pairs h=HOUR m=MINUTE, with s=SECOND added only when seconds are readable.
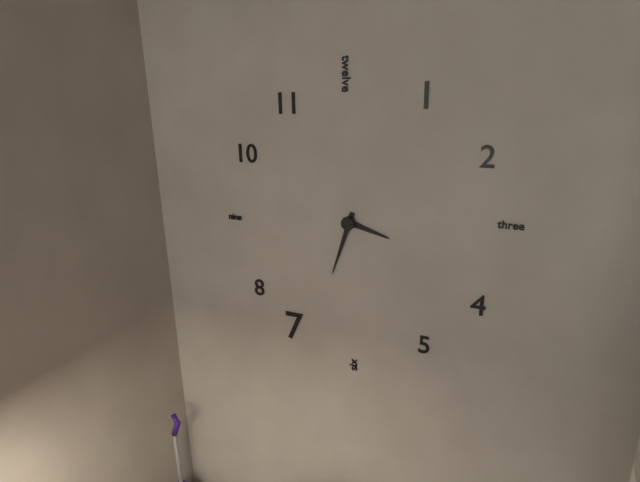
h=3 m=33
